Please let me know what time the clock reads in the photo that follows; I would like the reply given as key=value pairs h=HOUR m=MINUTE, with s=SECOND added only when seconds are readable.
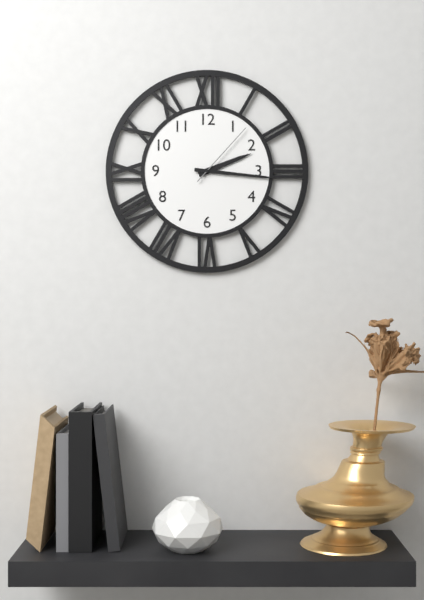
h=2 m=16 s=7
